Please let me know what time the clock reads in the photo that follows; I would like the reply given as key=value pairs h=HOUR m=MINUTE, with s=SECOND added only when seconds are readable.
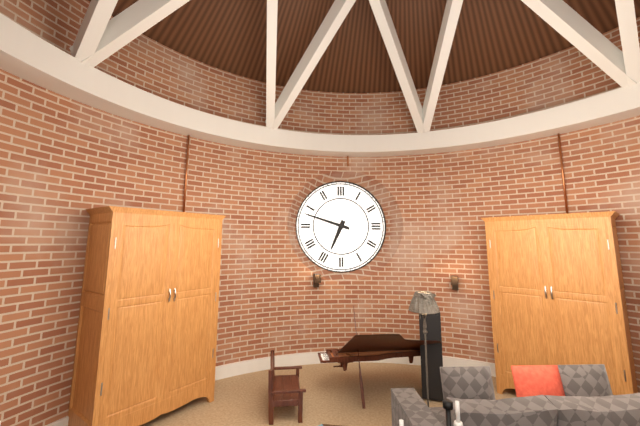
h=6 m=48
